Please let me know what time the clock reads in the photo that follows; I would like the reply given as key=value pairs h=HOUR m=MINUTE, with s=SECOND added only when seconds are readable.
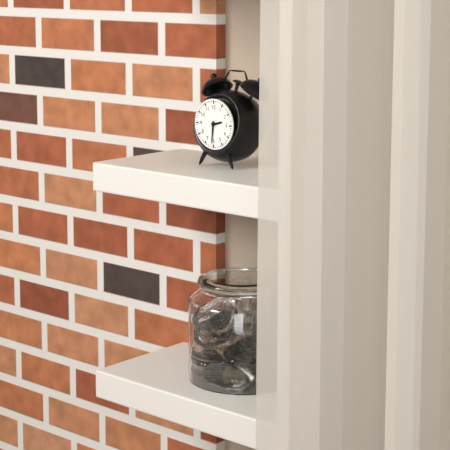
h=2 m=31
